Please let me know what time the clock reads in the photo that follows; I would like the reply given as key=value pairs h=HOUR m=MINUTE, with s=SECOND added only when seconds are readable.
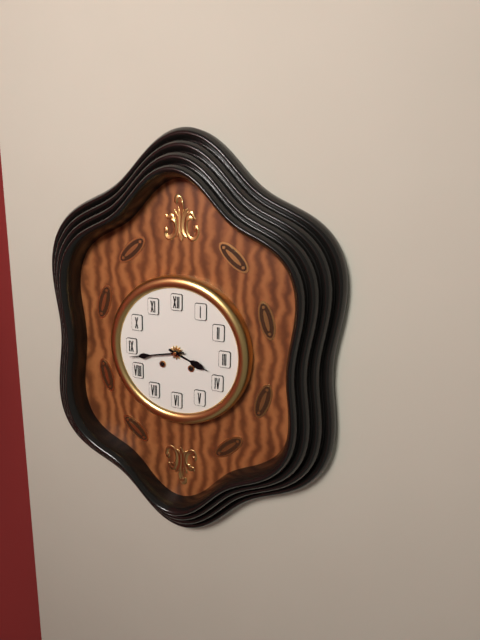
h=3 m=43
